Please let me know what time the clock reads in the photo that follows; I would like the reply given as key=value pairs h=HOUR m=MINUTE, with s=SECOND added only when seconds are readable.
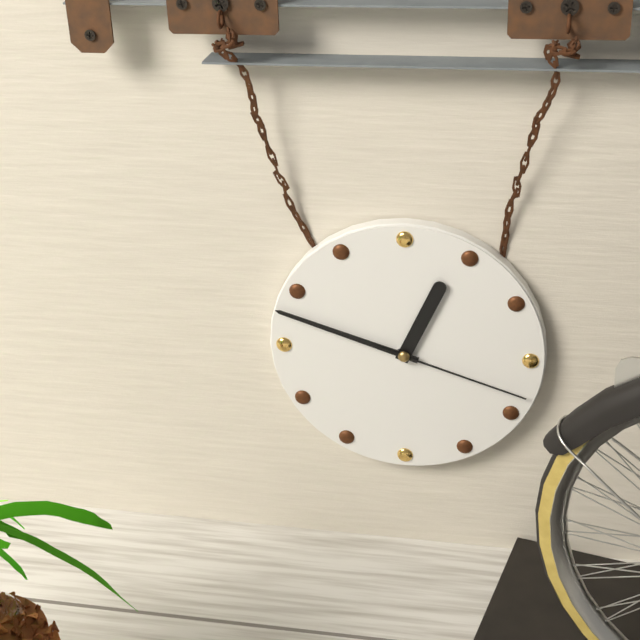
h=12 m=48 s=18
